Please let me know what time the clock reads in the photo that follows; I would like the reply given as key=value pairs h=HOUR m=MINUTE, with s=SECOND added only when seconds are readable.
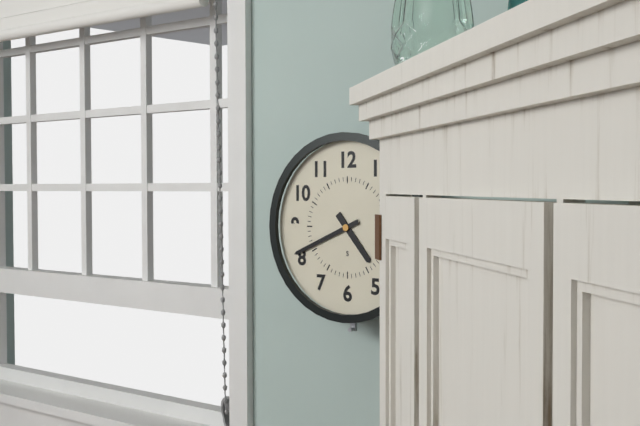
h=4 m=41
